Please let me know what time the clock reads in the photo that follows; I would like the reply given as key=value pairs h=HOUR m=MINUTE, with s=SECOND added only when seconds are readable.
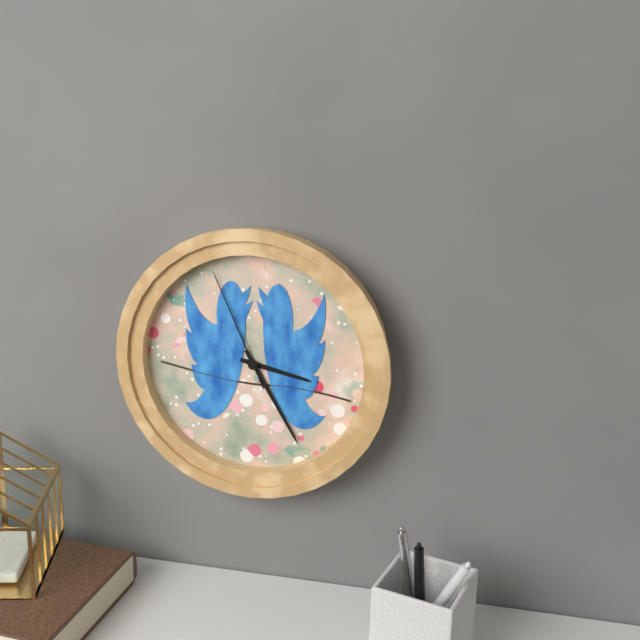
h=3 m=25 s=56
